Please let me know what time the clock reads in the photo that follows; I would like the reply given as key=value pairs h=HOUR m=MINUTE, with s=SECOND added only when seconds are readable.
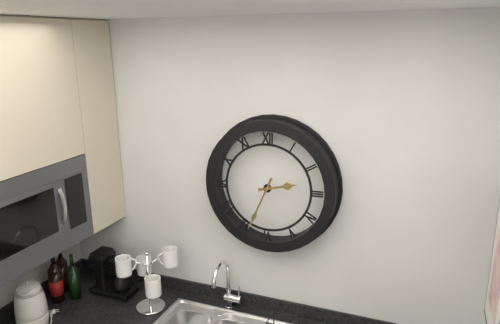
h=2 m=34
